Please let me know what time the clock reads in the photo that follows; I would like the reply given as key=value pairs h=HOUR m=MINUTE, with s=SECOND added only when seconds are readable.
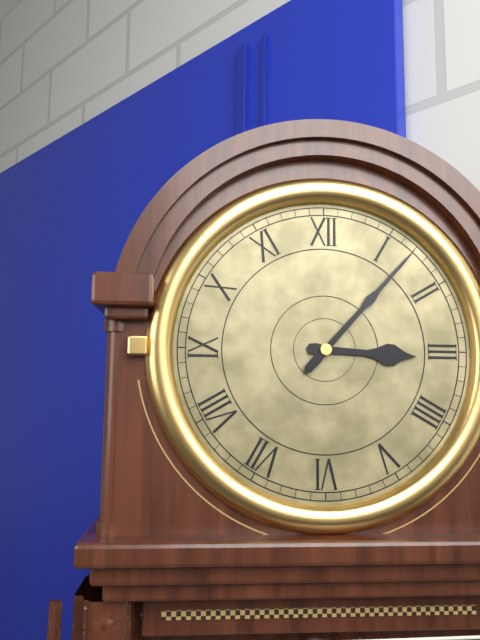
h=3 m=7
